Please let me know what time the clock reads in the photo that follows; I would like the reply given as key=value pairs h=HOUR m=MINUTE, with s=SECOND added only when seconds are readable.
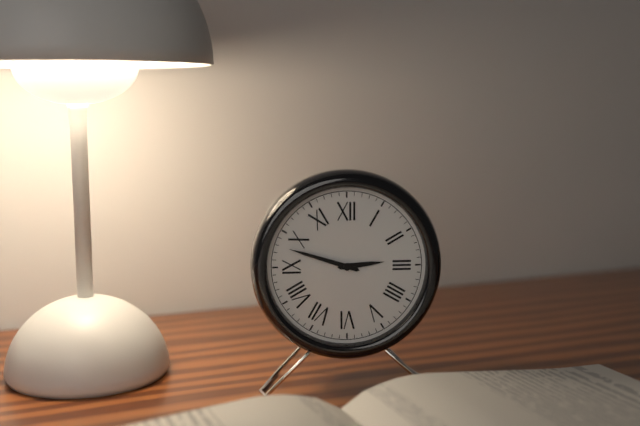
h=2 m=48
